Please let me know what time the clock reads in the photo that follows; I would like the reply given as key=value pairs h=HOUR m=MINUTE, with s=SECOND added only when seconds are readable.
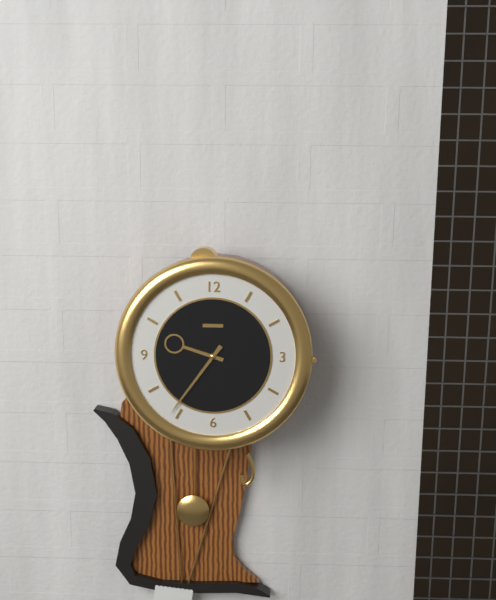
h=9 m=36
